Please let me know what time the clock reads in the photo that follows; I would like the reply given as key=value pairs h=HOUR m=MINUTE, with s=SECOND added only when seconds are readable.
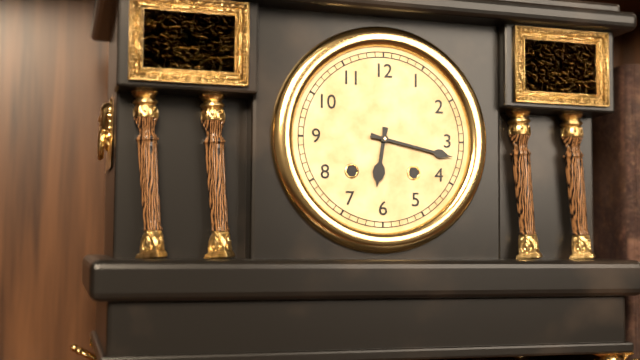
h=6 m=17
